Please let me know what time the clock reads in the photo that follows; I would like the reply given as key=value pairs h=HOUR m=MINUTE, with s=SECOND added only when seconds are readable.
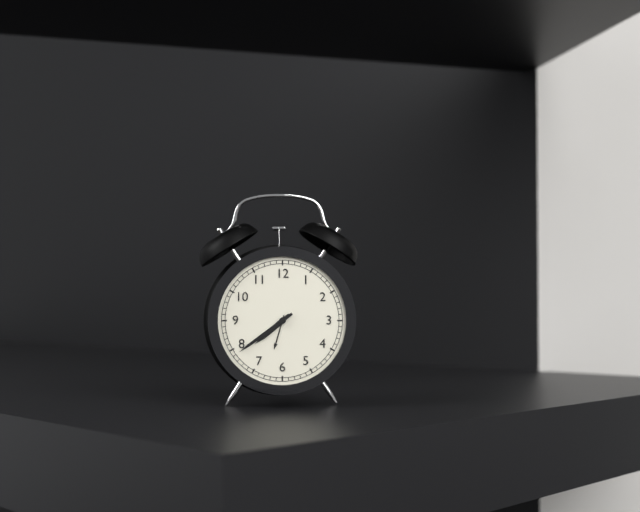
h=7 m=39
